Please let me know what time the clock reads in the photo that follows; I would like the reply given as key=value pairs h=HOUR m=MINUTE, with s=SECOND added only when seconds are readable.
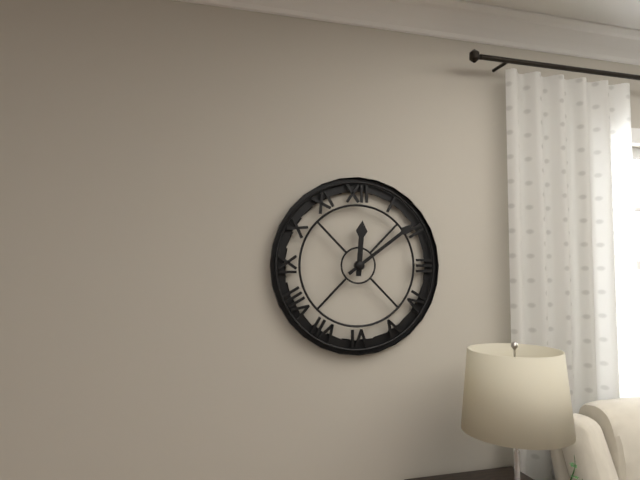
h=12 m=9
